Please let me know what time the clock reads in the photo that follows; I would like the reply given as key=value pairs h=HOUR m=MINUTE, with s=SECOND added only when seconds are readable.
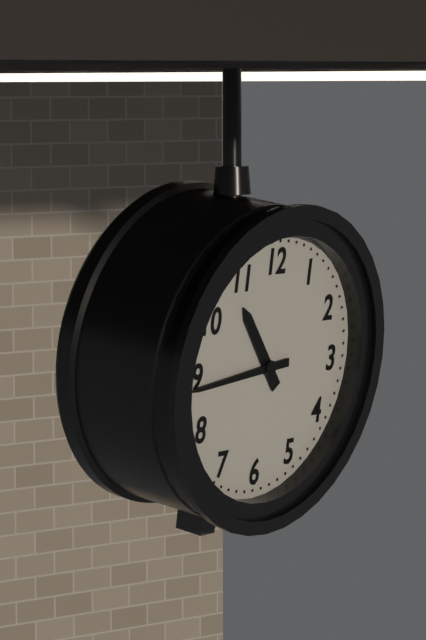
h=10 m=44
